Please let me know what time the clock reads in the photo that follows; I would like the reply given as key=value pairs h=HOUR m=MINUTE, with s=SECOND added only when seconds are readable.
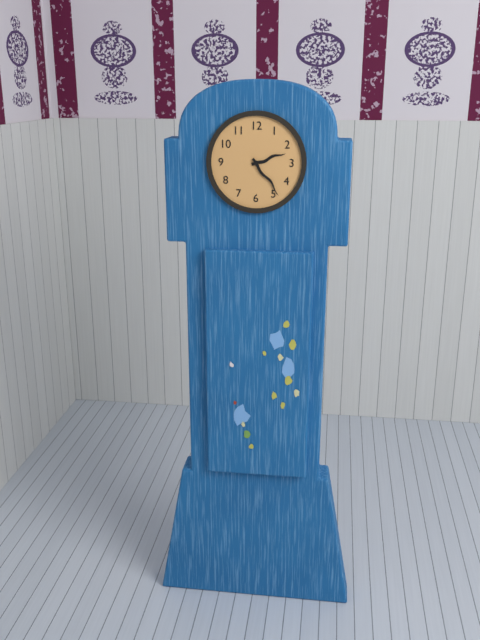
h=2 m=24
